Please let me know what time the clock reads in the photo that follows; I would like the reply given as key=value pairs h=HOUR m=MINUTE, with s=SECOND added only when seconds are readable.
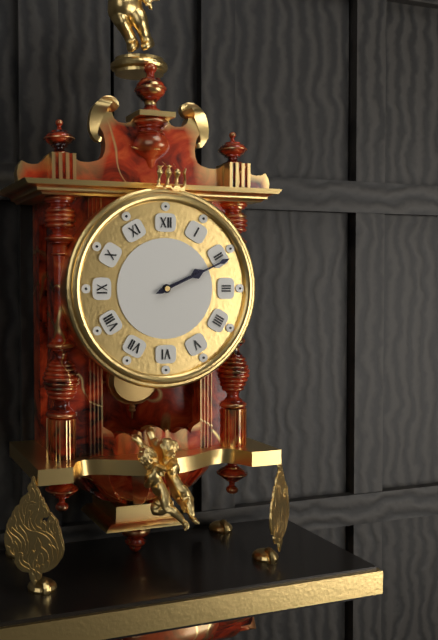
h=2 m=11
